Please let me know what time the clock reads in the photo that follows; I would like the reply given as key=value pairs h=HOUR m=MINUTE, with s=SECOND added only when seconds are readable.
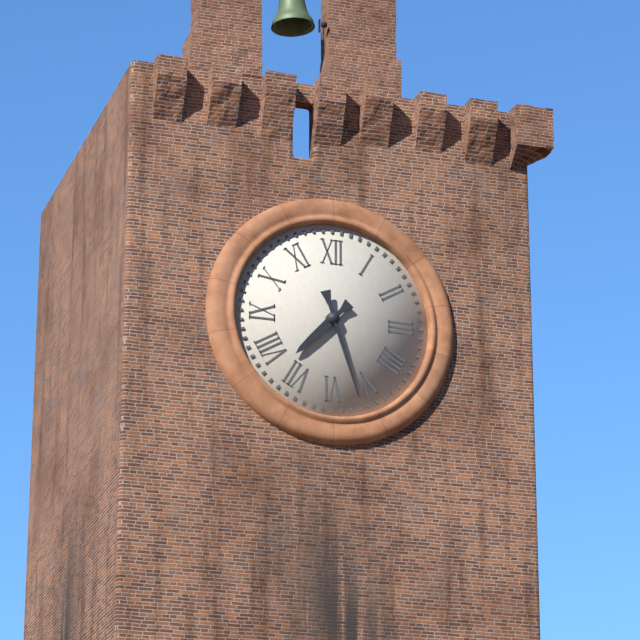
h=7 m=27
